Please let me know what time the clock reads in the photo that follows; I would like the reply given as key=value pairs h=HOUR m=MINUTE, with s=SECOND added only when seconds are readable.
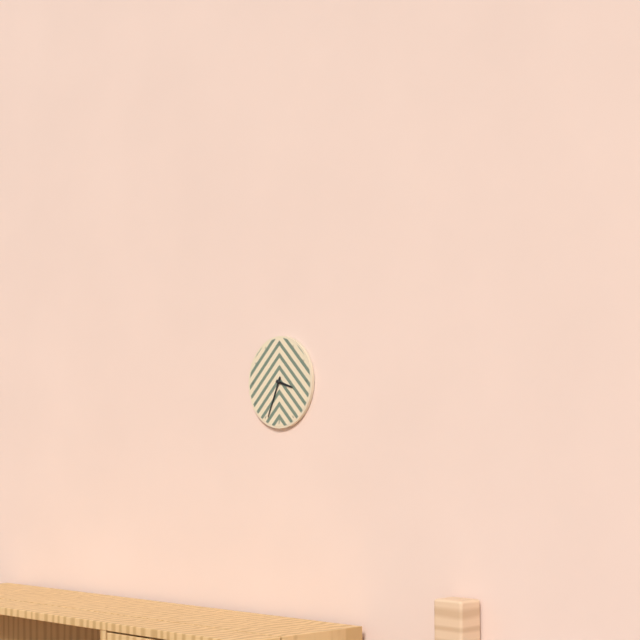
h=3 m=34
